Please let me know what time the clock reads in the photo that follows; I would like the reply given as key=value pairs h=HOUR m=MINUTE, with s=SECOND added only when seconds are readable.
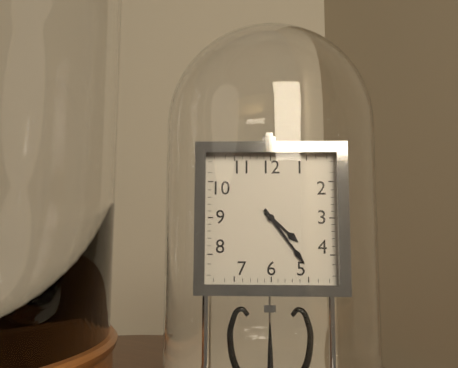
h=4 m=24
